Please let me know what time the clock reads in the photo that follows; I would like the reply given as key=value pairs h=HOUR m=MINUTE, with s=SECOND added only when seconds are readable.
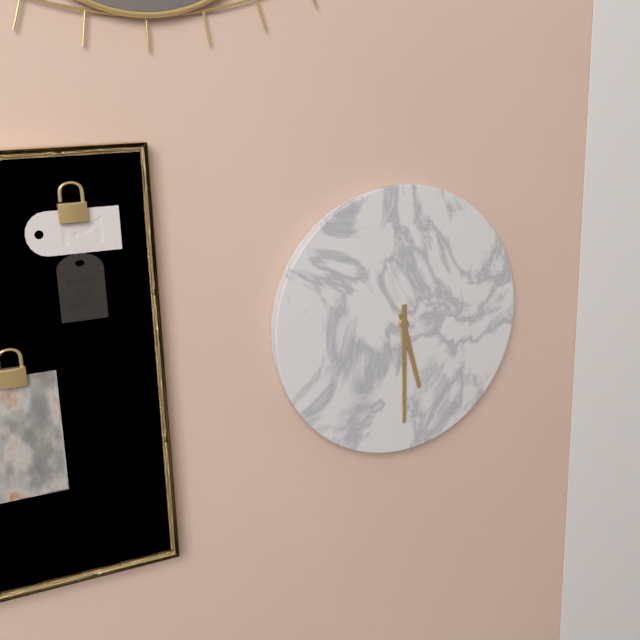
h=5 m=30
